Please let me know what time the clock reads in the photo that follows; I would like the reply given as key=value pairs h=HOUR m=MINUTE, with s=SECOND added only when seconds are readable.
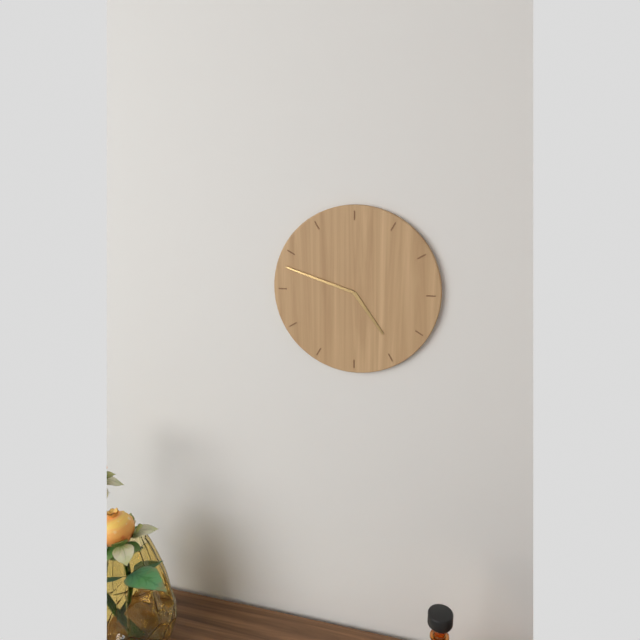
h=4 m=48
